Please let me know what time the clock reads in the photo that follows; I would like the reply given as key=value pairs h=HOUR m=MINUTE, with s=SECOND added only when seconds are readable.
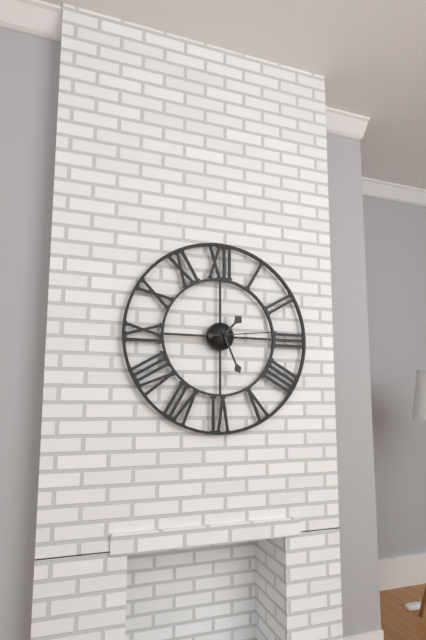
h=1 m=26 s=14
